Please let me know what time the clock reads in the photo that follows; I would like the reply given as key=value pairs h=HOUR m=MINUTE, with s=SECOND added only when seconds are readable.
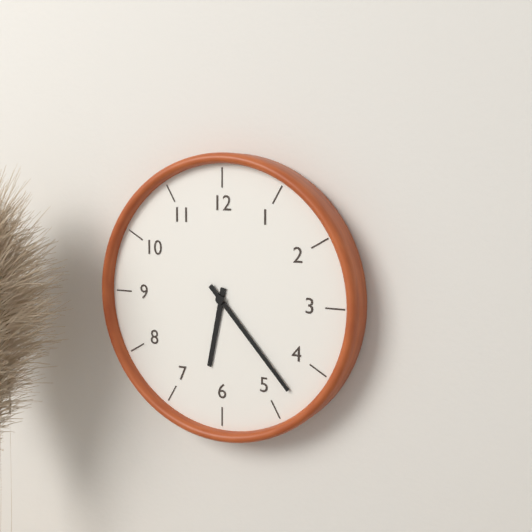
h=6 m=23
